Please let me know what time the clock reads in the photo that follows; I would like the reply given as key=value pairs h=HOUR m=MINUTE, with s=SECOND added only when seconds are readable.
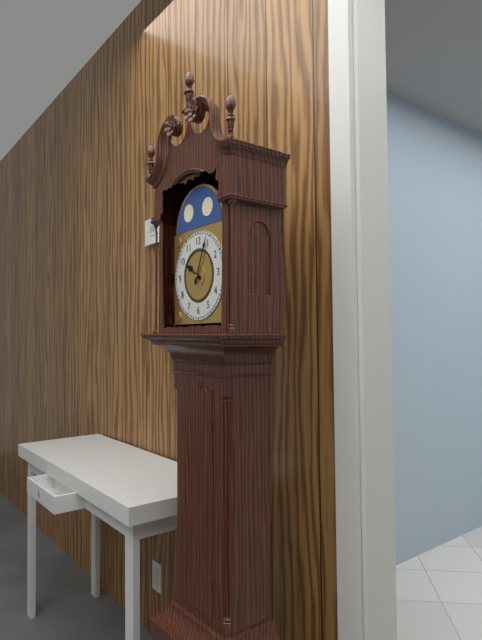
h=10 m=4
